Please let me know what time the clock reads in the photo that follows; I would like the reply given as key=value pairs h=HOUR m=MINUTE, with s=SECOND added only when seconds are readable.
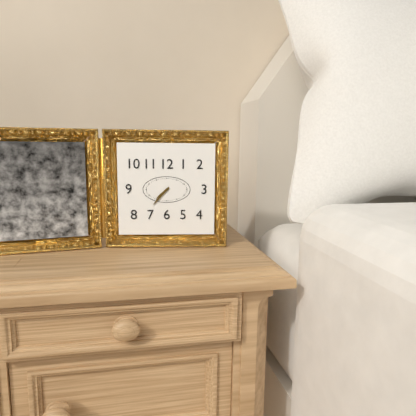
h=7 m=37
